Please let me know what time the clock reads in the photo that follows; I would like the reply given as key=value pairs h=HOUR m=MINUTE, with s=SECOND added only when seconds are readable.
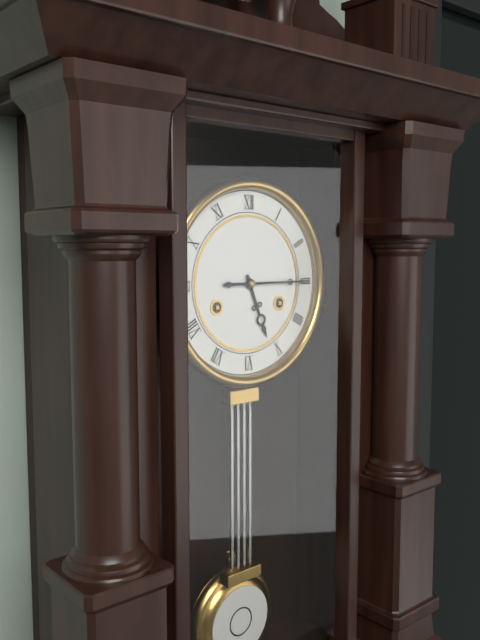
h=5 m=15
